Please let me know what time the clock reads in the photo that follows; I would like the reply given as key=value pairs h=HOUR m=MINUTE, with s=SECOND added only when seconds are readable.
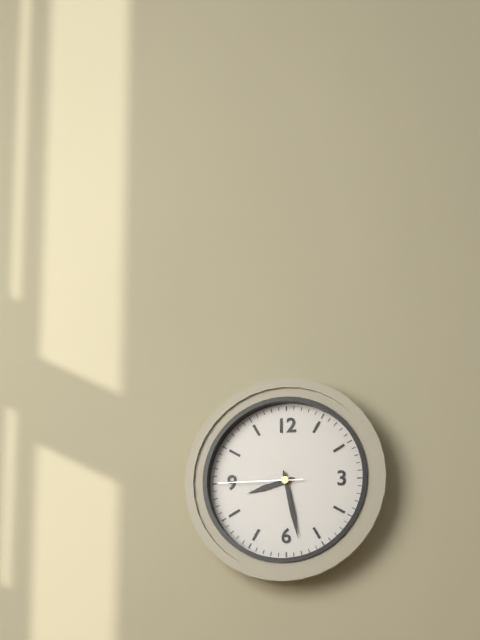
h=8 m=28 s=45
